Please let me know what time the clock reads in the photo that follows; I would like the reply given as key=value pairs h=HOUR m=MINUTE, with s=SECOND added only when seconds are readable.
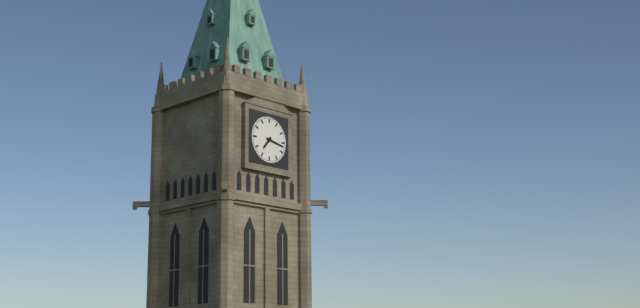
h=7 m=17
